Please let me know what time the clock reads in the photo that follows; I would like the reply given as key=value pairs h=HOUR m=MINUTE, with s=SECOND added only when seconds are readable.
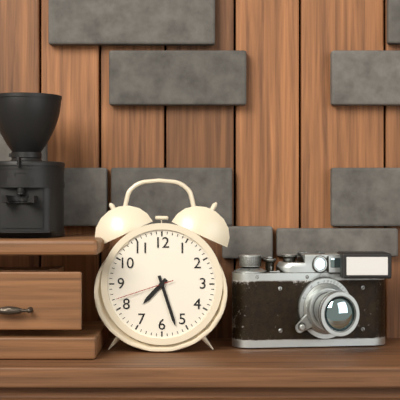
h=7 m=27 s=42
